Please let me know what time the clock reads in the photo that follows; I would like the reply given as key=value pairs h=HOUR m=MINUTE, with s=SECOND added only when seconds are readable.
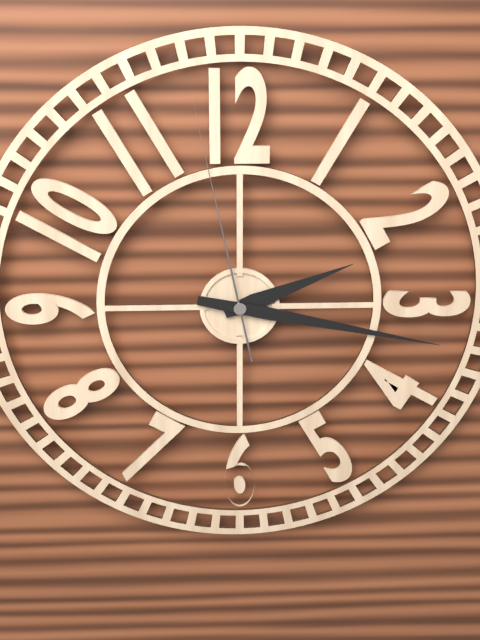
h=2 m=17 s=58
